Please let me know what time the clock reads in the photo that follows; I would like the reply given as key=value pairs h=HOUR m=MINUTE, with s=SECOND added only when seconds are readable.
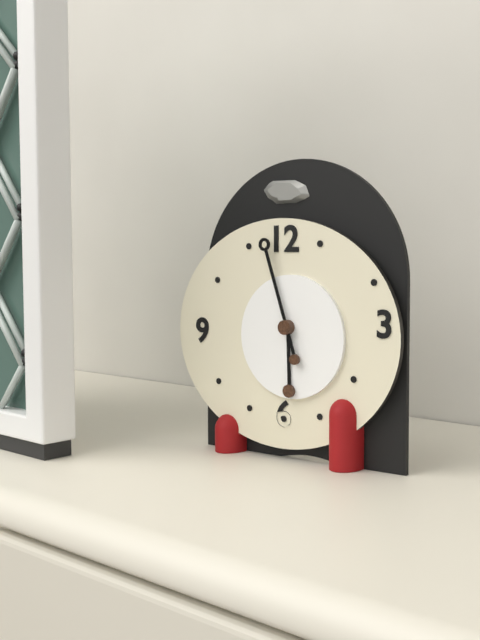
h=5 m=57
